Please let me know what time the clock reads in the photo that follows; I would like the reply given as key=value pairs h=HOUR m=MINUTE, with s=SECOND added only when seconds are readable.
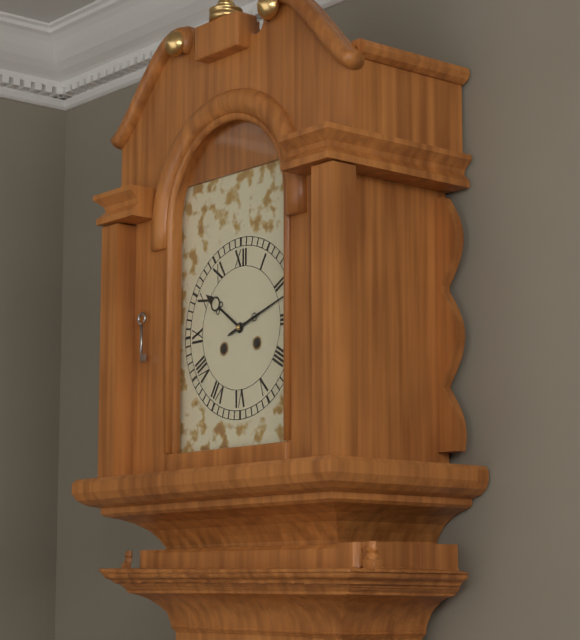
h=10 m=12
